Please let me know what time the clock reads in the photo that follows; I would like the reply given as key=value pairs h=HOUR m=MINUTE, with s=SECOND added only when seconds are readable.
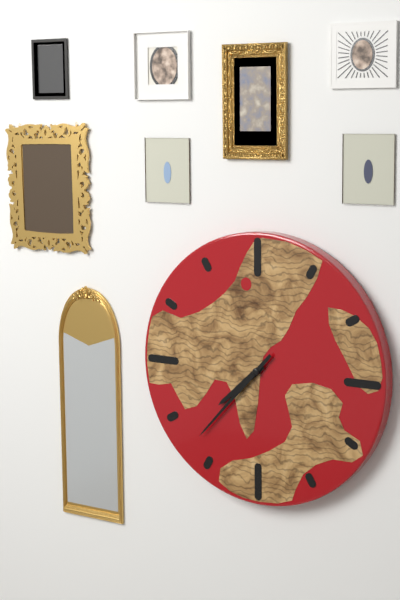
h=7 m=37
